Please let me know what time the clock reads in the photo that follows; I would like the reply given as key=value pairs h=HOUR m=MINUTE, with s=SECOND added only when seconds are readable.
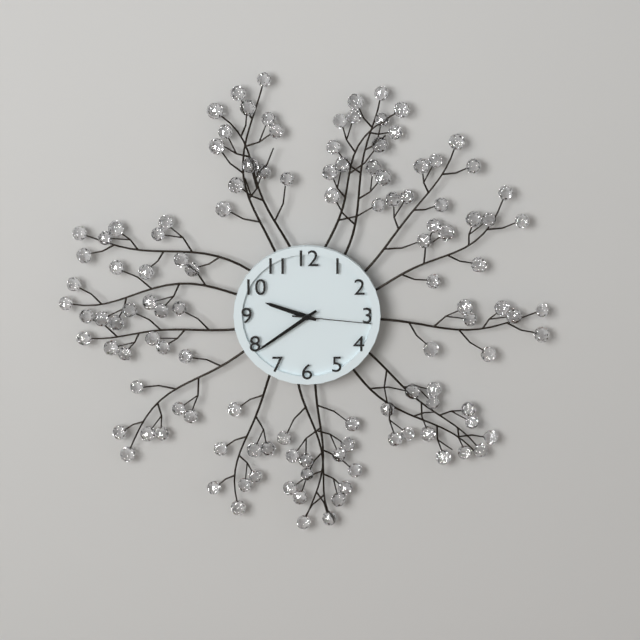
h=9 m=39 s=16
